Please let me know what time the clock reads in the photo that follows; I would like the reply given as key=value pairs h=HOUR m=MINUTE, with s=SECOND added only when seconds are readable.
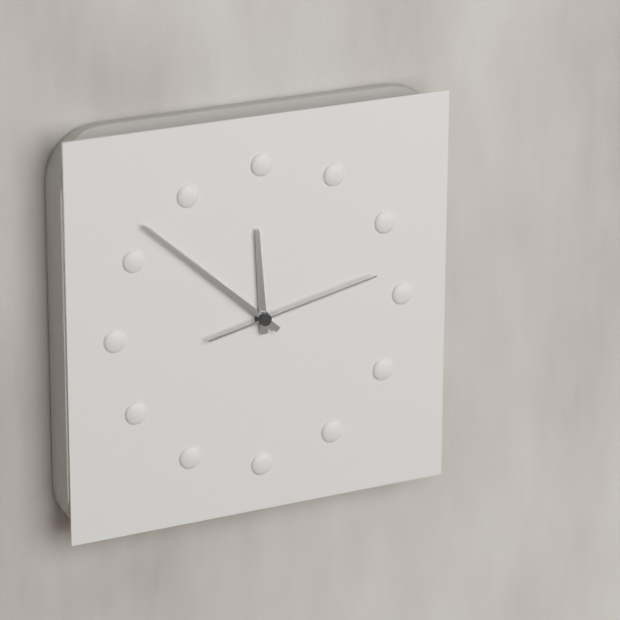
h=11 m=52 s=13
